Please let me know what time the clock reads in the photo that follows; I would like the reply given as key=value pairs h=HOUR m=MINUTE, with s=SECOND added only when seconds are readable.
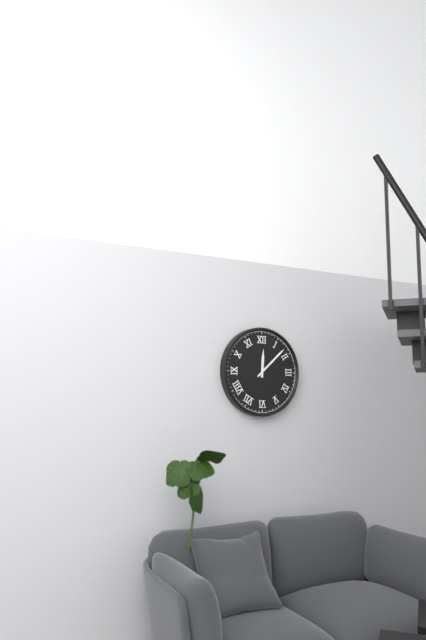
h=12 m=8
